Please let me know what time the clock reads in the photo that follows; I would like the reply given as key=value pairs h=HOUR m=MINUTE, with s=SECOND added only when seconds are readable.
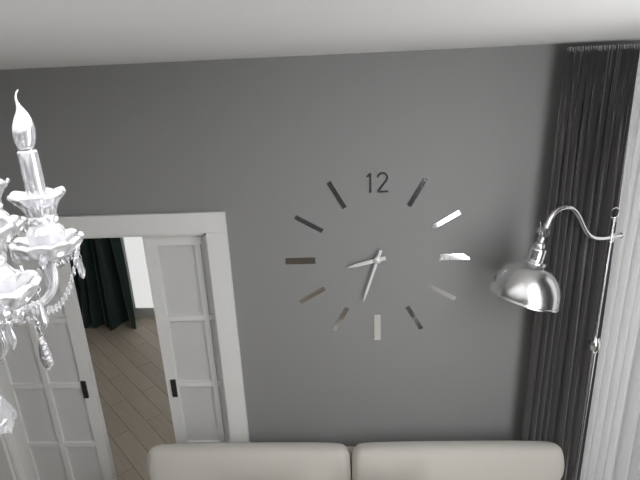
h=8 m=33
